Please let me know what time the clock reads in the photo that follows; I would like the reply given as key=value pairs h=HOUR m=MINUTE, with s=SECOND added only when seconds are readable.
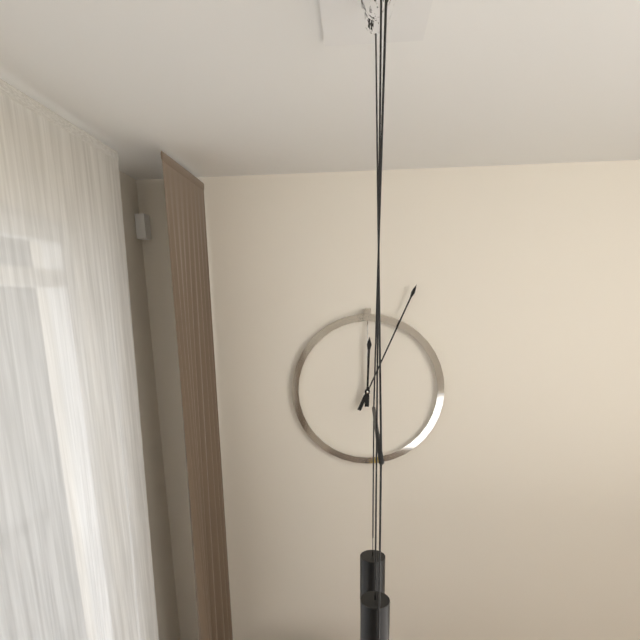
h=12 m=4
